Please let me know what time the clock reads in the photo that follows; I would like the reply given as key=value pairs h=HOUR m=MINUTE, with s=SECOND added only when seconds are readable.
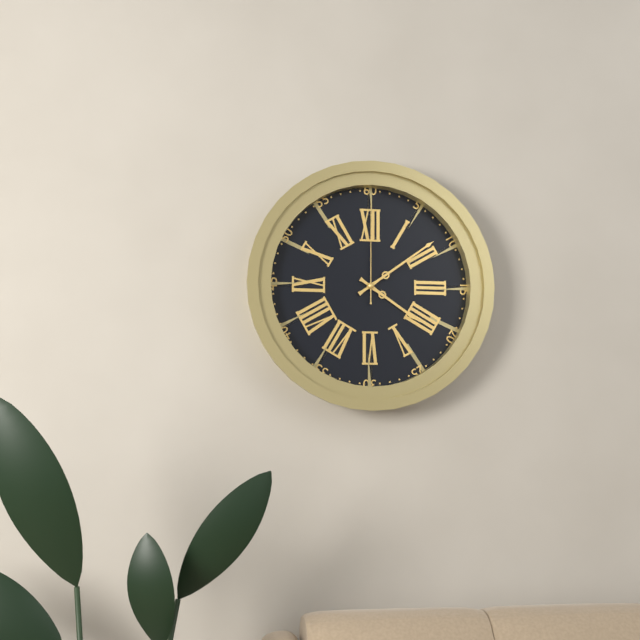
h=4 m=9 s=0
